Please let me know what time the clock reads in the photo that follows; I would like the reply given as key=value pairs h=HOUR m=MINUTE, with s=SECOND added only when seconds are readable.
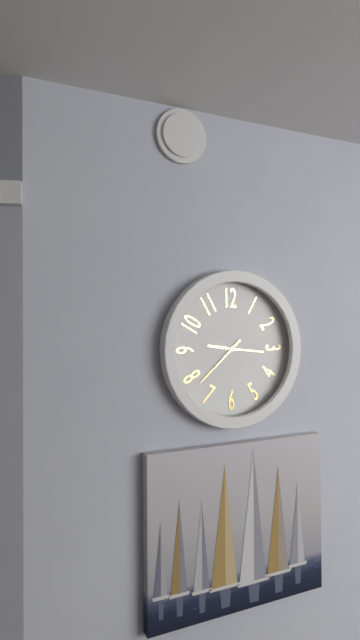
h=9 m=16 s=38
